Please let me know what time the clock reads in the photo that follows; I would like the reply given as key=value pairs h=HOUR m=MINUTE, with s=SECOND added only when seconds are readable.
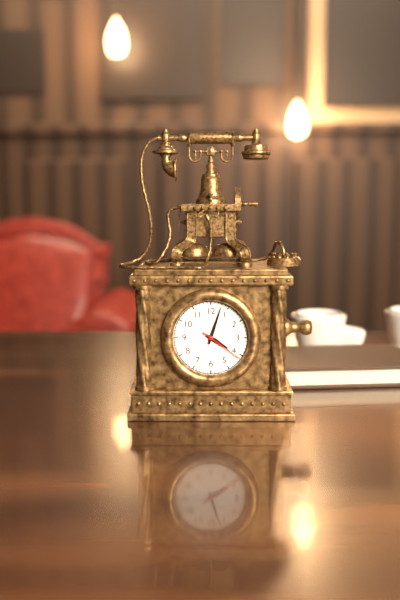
h=4 m=3
